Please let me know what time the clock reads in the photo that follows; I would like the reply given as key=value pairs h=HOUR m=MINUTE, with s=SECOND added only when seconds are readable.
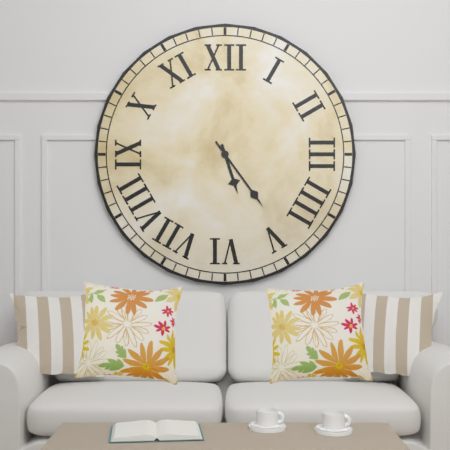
h=5 m=24
